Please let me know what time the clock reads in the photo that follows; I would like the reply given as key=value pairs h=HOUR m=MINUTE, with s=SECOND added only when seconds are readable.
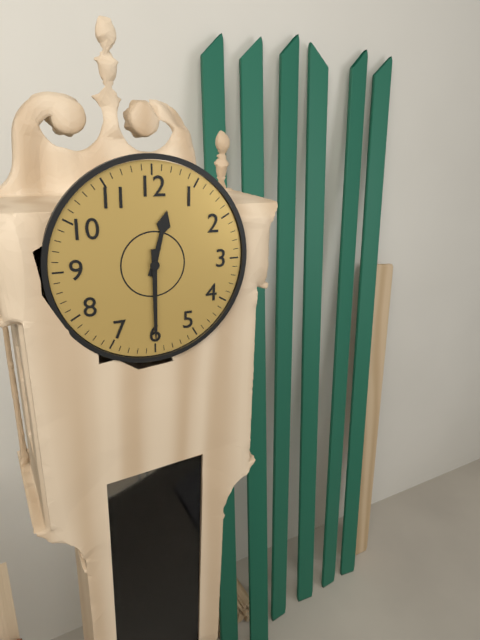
h=12 m=30
